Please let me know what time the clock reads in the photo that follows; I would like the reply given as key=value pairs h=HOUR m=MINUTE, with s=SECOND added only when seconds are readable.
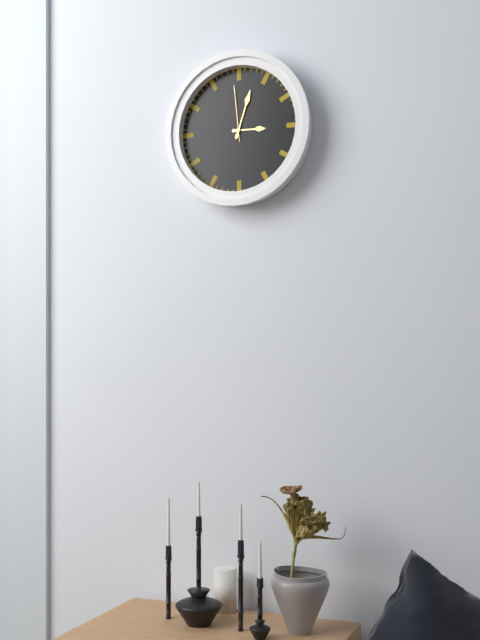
h=3 m=3 s=59
